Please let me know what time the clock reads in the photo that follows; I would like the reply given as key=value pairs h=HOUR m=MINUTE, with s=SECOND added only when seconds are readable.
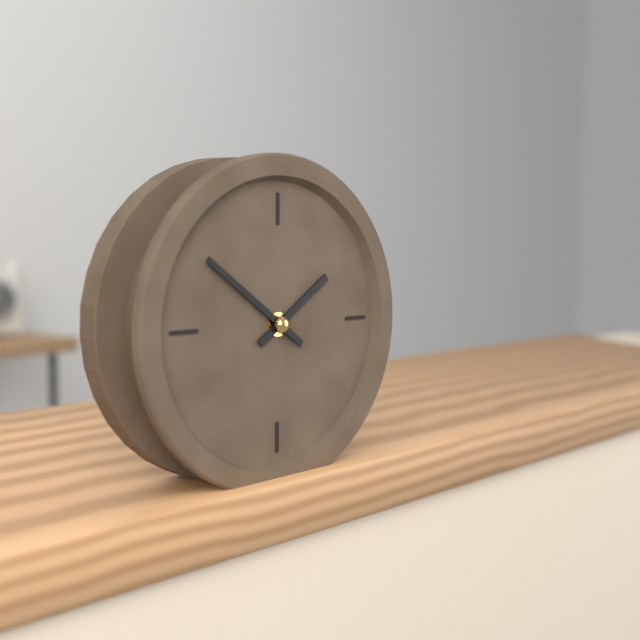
h=1 m=51
